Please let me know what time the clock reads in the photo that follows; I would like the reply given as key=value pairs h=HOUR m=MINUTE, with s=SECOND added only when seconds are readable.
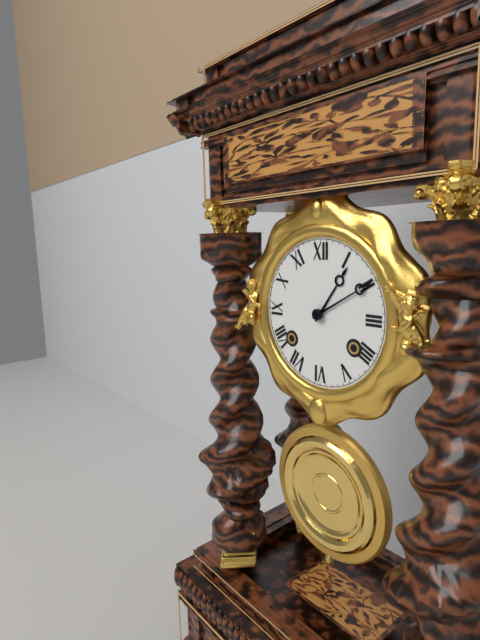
h=1 m=10
